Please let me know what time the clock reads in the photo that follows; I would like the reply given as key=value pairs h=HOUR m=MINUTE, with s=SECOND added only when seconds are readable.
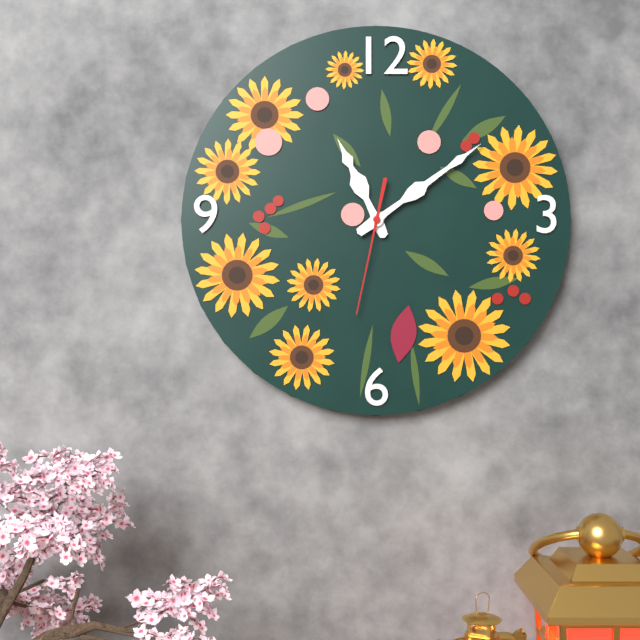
h=11 m=9 s=32
